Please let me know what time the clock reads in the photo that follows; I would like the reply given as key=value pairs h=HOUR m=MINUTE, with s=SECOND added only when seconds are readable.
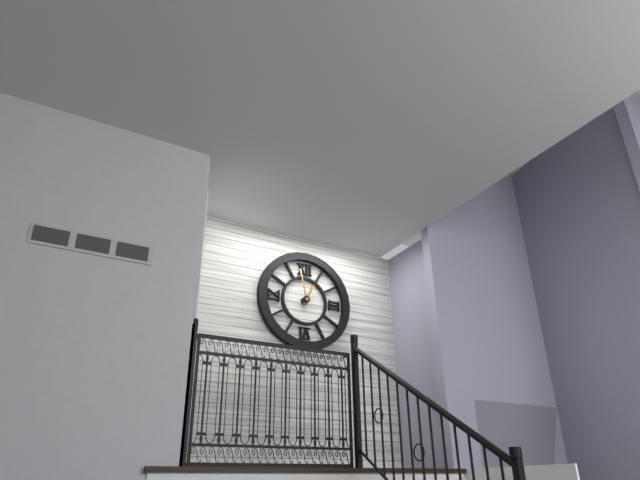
h=12 m=58
